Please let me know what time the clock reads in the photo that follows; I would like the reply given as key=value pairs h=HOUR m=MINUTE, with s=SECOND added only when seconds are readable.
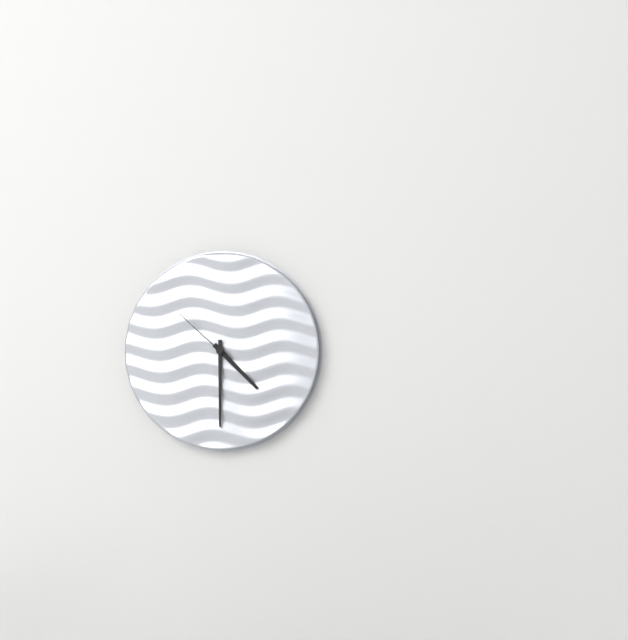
h=4 m=30 s=52
